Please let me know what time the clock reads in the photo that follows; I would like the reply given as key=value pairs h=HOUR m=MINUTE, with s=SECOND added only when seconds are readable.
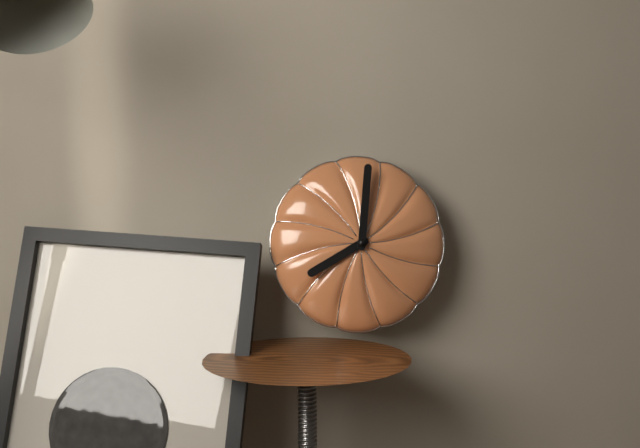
h=8 m=1
